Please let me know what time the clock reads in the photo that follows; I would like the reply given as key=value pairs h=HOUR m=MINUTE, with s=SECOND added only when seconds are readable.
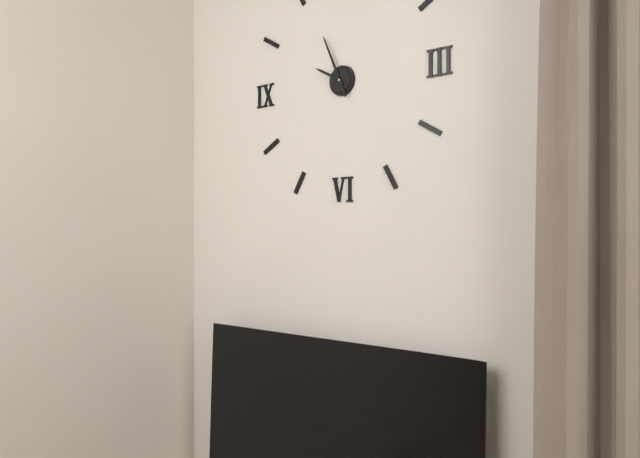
h=9 m=56
